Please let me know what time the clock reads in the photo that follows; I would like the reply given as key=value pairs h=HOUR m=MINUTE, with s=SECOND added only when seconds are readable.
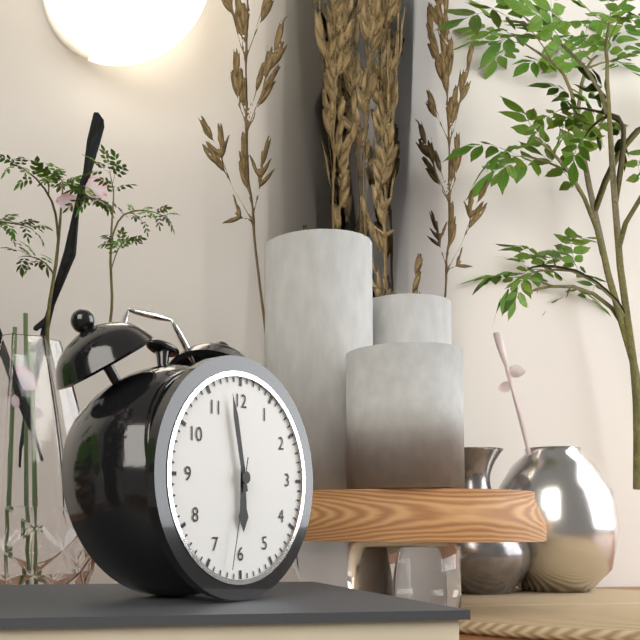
h=5 m=58 s=32
